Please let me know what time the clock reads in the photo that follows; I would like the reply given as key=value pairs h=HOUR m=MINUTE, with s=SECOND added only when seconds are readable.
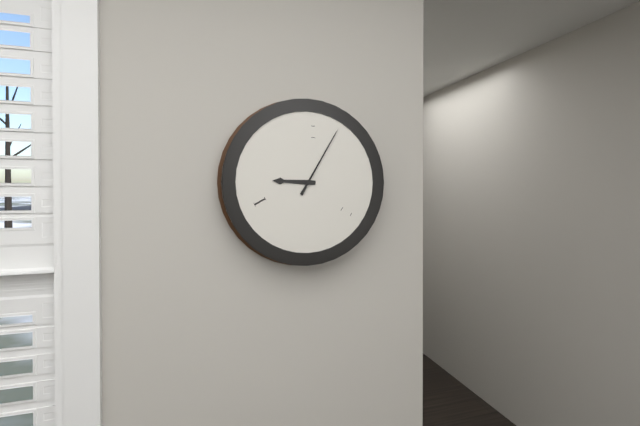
h=9 m=5
